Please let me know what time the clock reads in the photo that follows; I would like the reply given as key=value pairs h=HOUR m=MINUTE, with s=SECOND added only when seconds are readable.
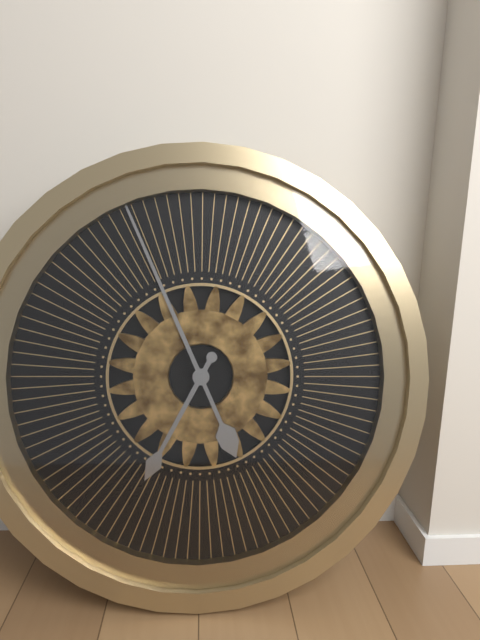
h=6 m=56
